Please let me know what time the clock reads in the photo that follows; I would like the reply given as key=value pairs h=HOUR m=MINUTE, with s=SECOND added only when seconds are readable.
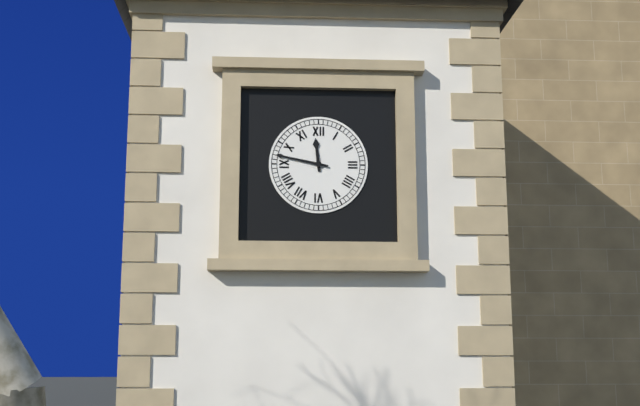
h=11 m=47
